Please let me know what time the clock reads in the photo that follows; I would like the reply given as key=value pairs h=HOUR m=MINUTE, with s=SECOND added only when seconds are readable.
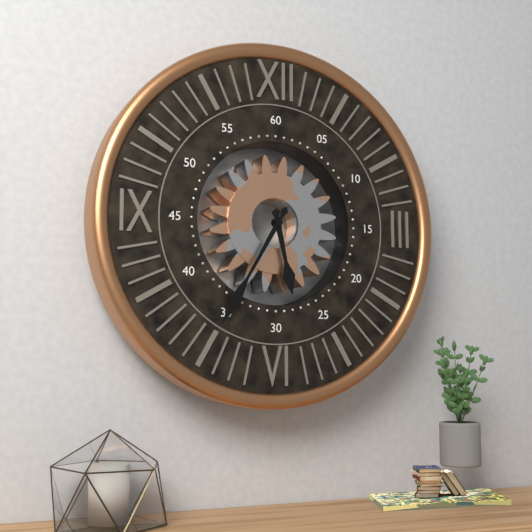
h=5 m=35
